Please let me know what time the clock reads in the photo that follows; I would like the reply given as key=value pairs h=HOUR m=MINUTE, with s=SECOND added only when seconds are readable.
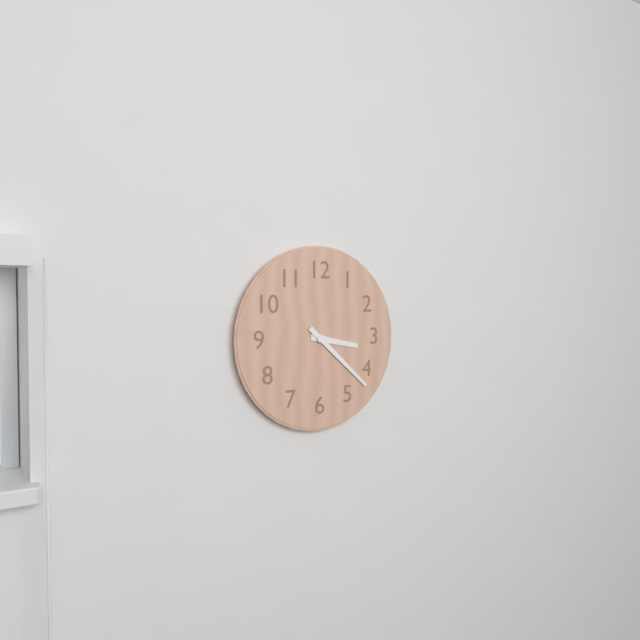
h=3 m=22
